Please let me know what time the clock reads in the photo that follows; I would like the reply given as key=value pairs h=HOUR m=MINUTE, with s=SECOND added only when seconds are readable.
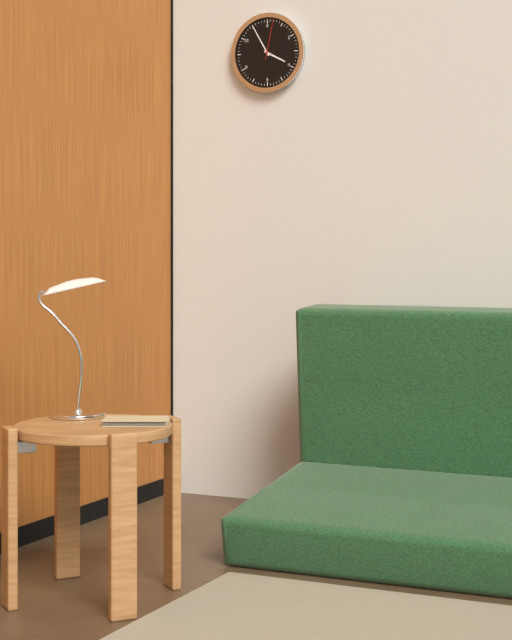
h=3 m=55
